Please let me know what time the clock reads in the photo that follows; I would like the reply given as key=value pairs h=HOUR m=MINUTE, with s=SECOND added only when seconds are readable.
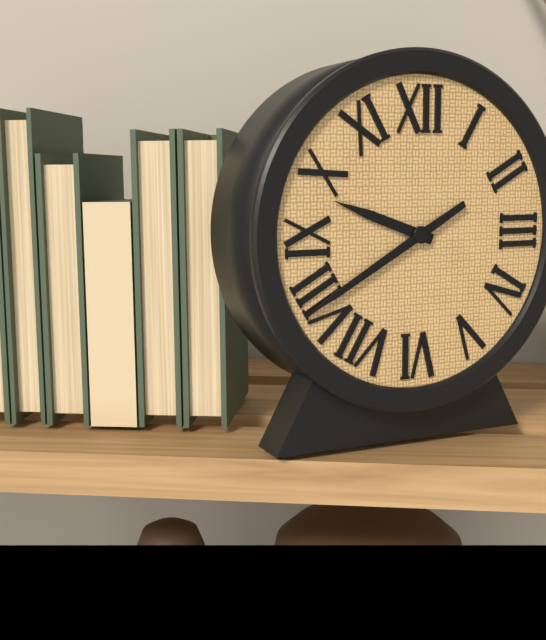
h=9 m=40
